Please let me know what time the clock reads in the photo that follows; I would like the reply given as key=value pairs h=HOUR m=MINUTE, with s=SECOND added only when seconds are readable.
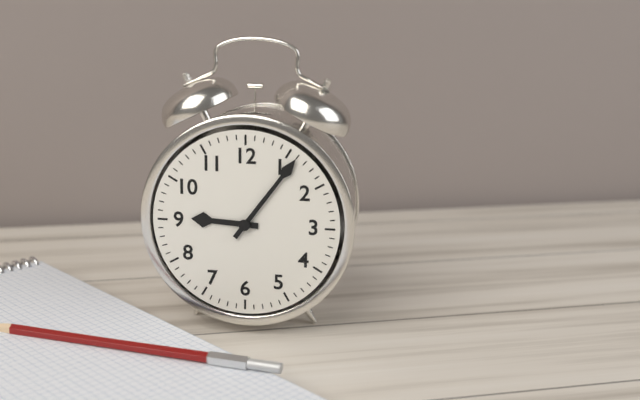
h=9 m=6
